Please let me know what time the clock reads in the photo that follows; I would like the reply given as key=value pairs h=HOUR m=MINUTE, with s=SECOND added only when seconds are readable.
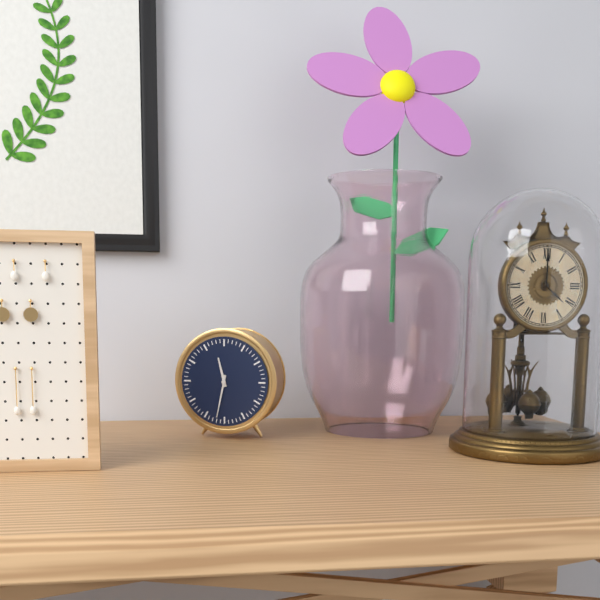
h=11 m=32
